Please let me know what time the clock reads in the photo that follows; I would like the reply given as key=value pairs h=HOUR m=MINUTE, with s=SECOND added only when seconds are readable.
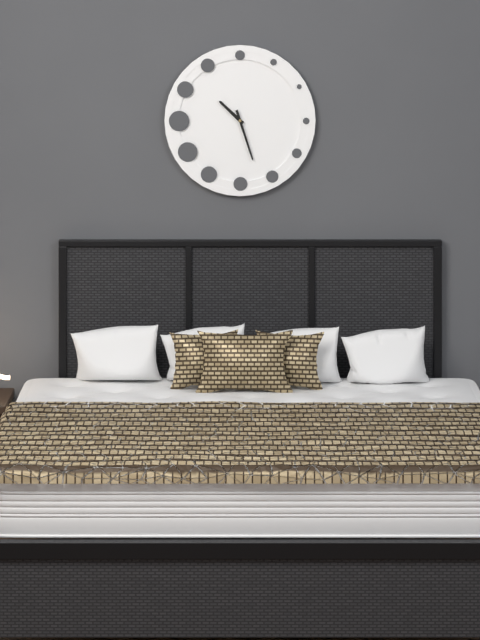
h=10 m=27
